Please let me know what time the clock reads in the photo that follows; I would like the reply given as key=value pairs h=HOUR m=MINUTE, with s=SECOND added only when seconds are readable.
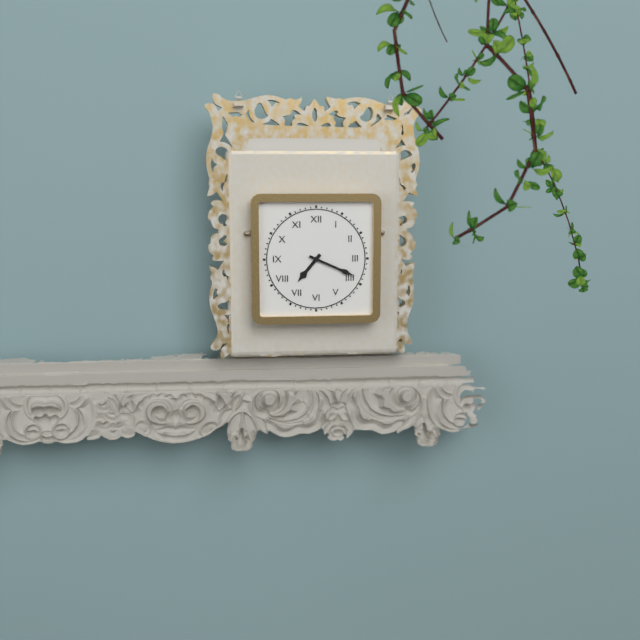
h=7 m=19
